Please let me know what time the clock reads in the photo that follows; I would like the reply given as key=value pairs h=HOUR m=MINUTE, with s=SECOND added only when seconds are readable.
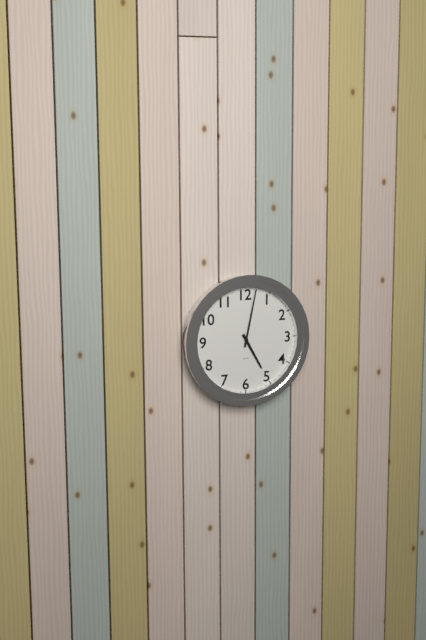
h=5 m=2
